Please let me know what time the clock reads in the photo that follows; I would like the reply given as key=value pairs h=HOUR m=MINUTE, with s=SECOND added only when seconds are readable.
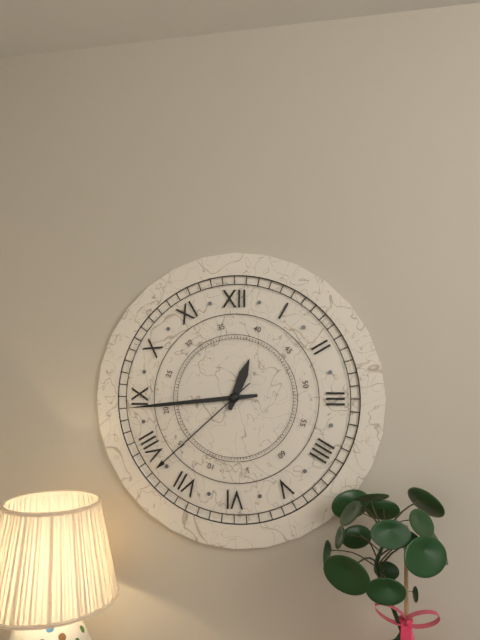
h=12 m=44 s=38
